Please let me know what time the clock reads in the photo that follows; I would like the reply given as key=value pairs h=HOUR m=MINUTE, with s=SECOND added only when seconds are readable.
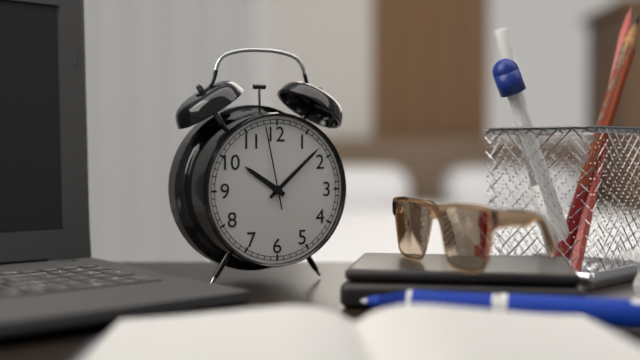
h=10 m=8 s=58
